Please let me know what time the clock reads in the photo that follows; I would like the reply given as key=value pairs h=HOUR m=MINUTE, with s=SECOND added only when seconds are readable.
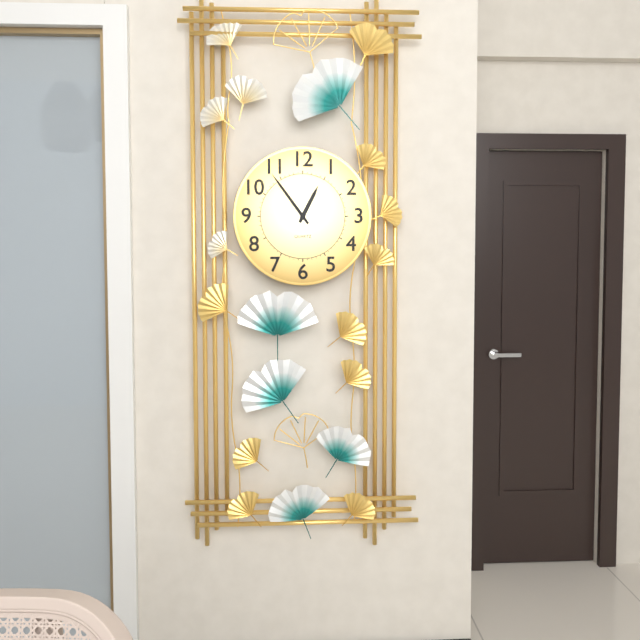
h=12 m=54
